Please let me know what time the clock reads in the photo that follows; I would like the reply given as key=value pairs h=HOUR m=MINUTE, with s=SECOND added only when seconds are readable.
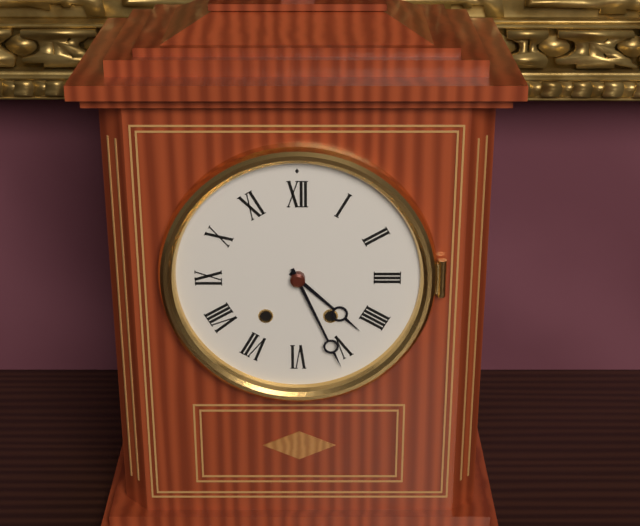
h=4 m=26
